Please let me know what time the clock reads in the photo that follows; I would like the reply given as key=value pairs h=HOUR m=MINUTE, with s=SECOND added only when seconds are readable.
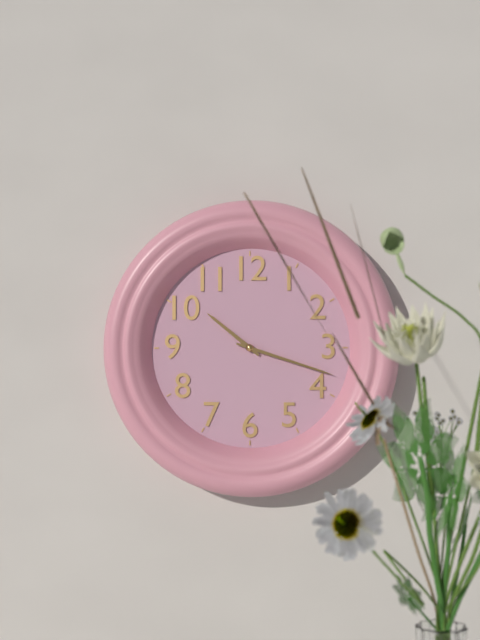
h=10 m=18
